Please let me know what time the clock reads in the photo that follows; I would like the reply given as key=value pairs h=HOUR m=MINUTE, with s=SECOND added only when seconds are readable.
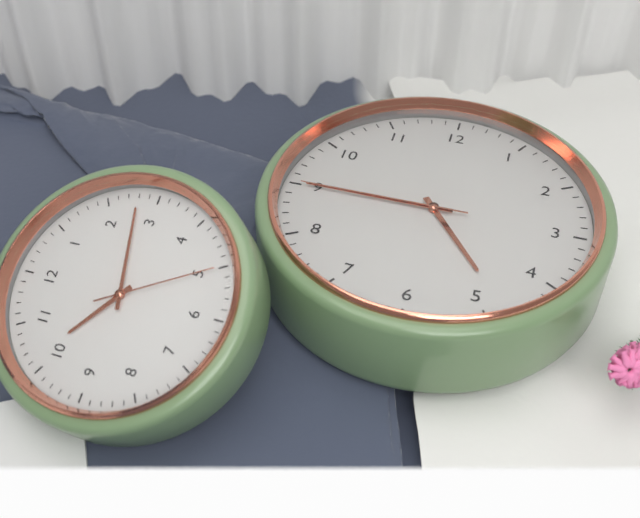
h=4 m=45 s=45
